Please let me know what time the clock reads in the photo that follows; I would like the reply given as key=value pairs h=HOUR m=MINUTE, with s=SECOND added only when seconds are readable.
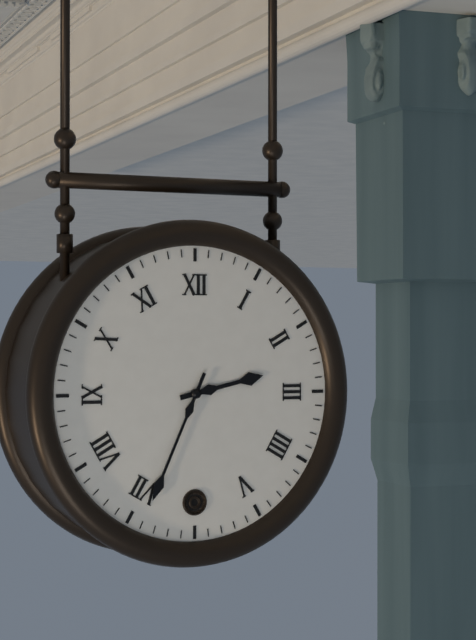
h=2 m=34
